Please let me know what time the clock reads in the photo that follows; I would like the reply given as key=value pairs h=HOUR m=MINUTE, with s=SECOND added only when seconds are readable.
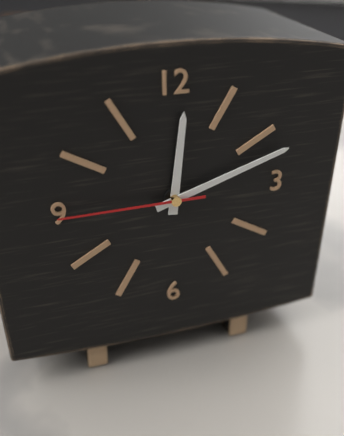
h=12 m=12 s=45
